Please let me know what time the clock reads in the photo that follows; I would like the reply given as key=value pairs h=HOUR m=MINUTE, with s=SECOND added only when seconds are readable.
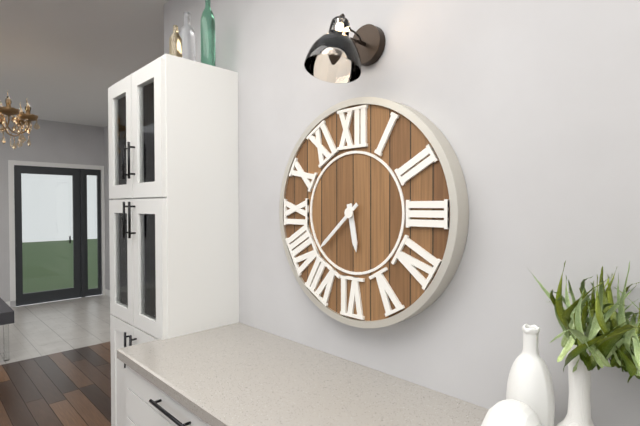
h=5 m=38
